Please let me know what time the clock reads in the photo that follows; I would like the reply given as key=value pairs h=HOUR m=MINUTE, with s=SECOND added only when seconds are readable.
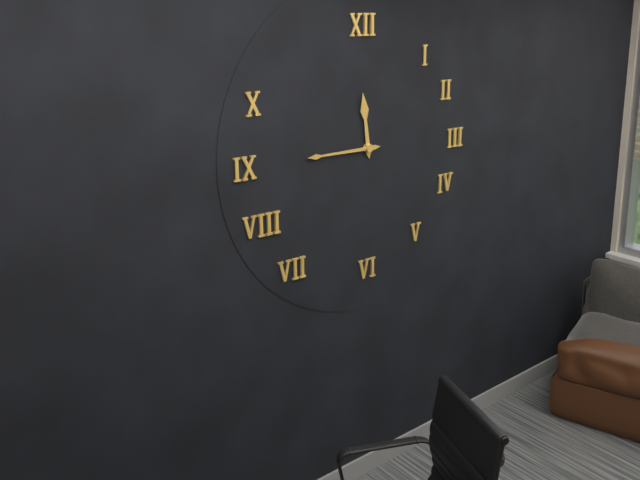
h=11 m=45
